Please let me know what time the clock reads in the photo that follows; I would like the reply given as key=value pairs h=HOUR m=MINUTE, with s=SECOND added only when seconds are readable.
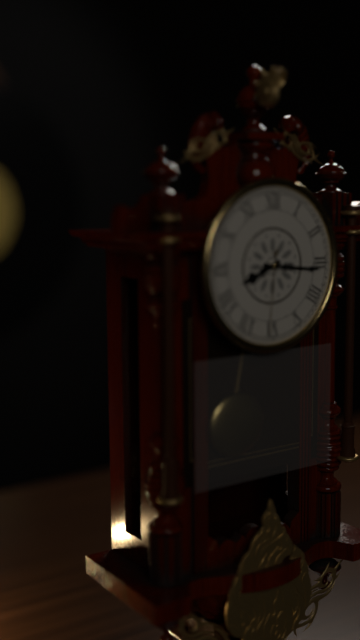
h=8 m=16 s=31
